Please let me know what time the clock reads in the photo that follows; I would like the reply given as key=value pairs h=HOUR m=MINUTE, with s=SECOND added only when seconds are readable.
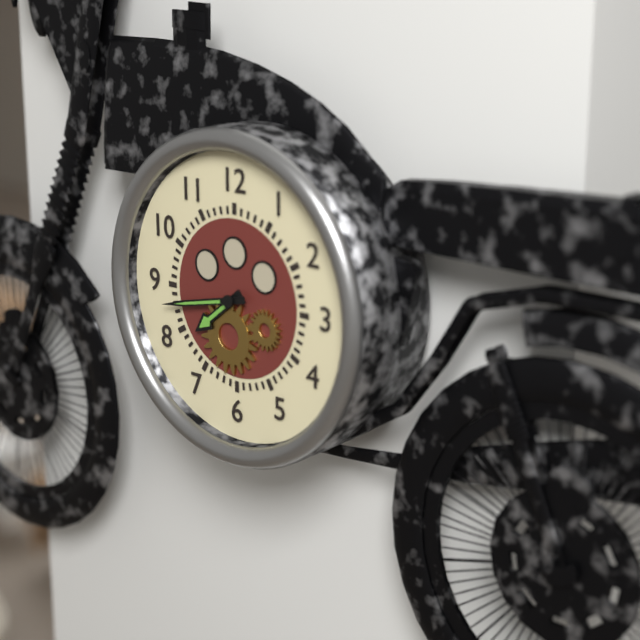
h=7 m=43
